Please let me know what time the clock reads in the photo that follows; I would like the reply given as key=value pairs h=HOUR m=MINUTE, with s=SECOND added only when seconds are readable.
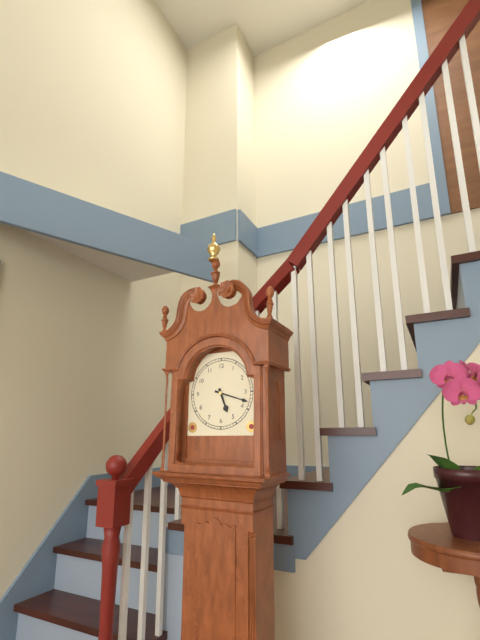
h=5 m=18
